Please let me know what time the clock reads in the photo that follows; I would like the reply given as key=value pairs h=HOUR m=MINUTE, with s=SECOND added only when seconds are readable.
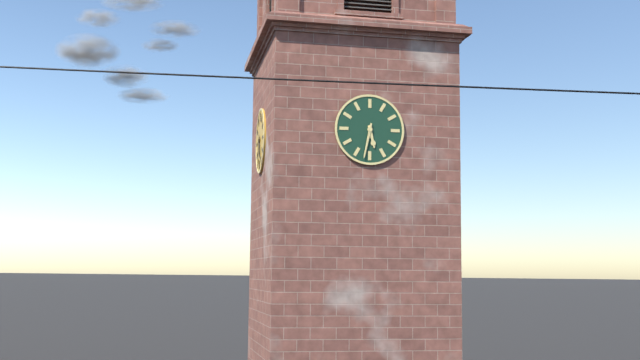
h=5 m=32
